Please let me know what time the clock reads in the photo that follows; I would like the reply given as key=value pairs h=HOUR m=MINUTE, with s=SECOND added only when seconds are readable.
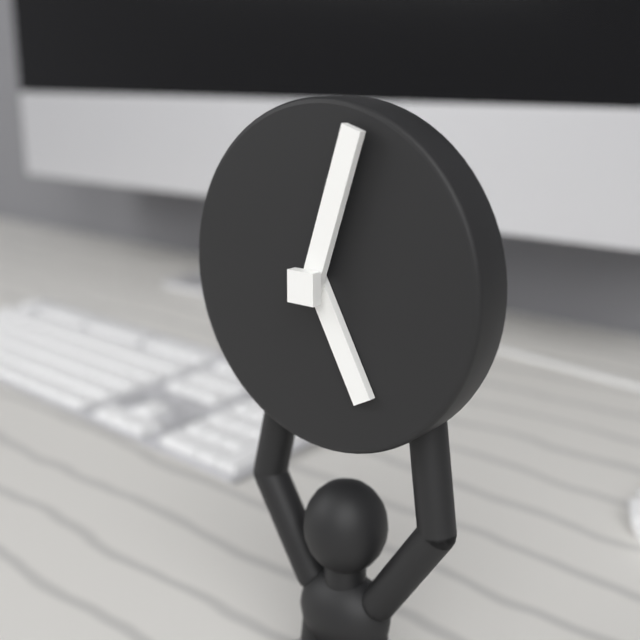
h=5 m=3
